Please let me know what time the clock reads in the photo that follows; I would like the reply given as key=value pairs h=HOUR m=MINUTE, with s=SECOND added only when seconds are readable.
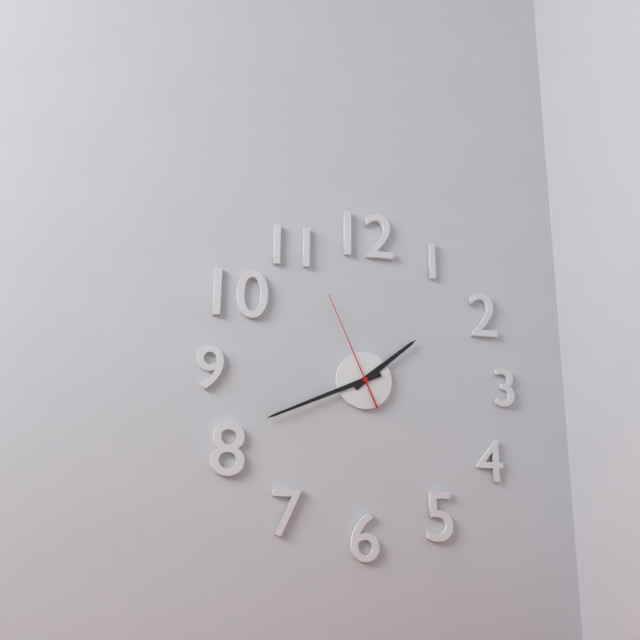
h=1 m=41 s=56
